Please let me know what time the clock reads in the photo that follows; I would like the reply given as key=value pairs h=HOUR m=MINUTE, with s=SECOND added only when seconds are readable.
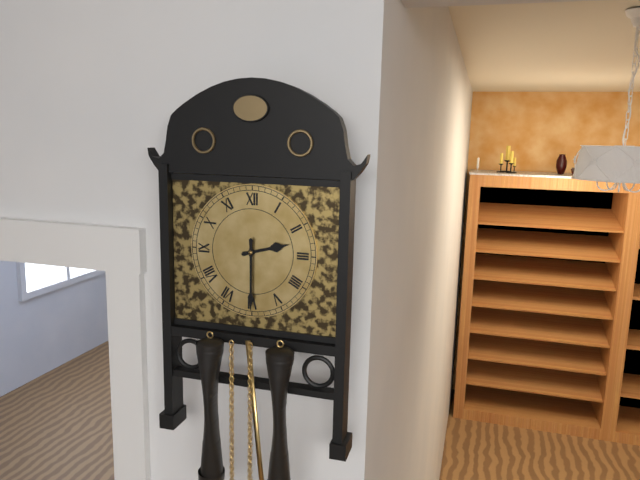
h=2 m=30
